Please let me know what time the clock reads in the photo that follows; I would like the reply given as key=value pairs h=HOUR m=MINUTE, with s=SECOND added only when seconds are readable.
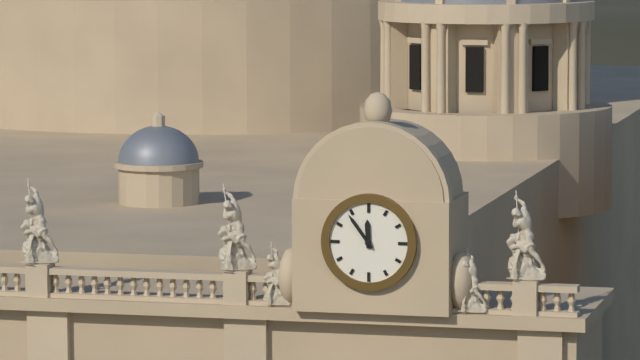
h=11 m=54
